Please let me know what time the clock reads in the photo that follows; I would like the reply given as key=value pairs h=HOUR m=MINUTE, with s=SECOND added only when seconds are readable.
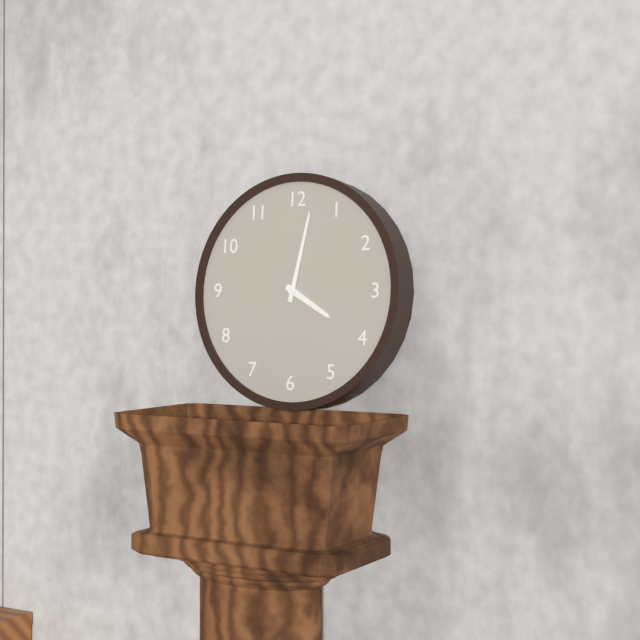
h=4 m=2
